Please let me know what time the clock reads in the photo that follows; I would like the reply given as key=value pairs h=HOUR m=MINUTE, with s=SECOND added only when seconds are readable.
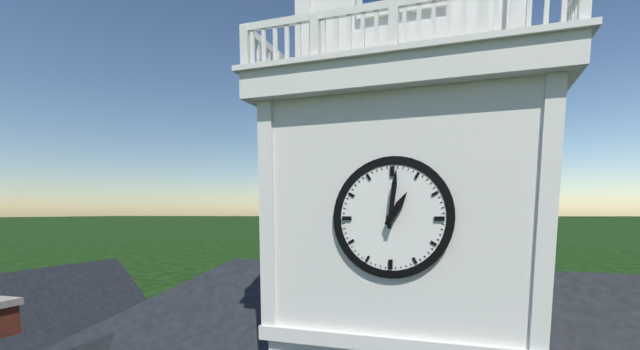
h=1 m=1
